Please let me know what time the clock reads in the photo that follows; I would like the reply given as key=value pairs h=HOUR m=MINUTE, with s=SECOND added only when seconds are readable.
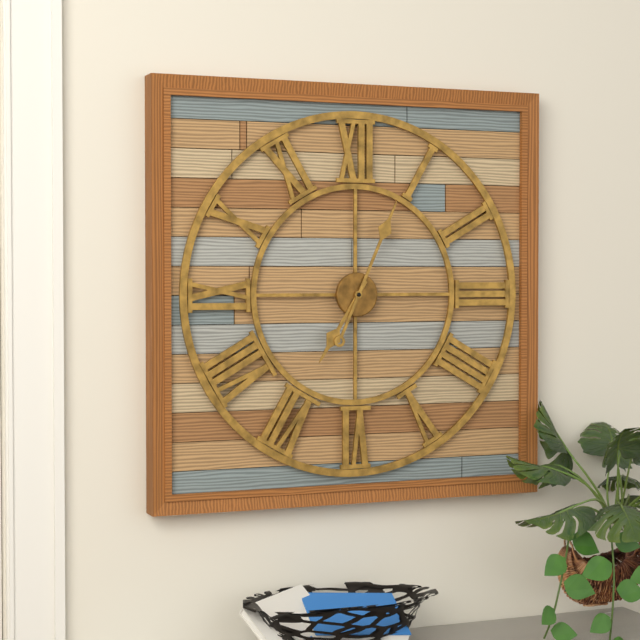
h=7 m=4
